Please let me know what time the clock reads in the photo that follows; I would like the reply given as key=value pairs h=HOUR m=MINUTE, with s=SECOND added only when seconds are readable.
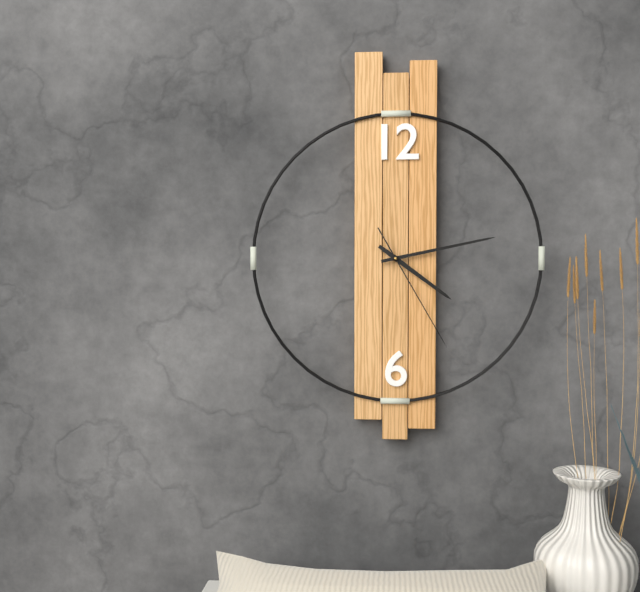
h=4 m=13 s=25
